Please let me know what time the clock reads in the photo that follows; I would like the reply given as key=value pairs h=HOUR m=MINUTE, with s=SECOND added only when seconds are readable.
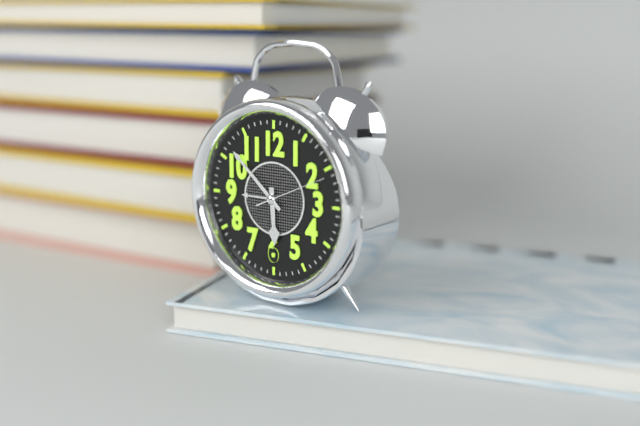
h=5 m=52 s=11
